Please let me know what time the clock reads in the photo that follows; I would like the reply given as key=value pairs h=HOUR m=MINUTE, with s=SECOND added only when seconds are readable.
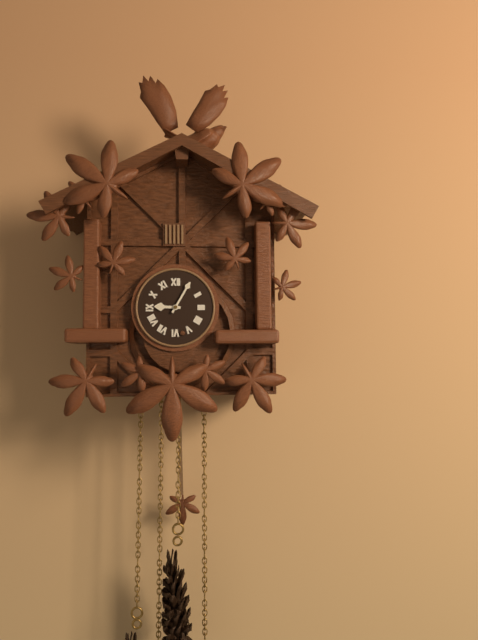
h=9 m=5
